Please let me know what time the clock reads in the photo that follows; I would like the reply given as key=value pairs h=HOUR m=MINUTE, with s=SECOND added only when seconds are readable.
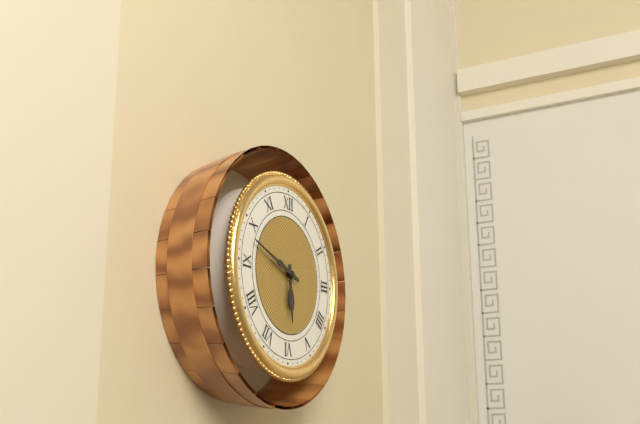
h=5 m=48
